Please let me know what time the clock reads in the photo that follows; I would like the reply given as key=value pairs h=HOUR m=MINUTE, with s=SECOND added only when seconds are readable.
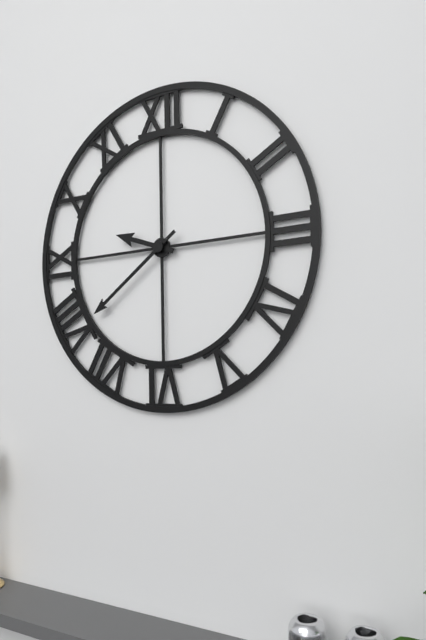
h=9 m=39
